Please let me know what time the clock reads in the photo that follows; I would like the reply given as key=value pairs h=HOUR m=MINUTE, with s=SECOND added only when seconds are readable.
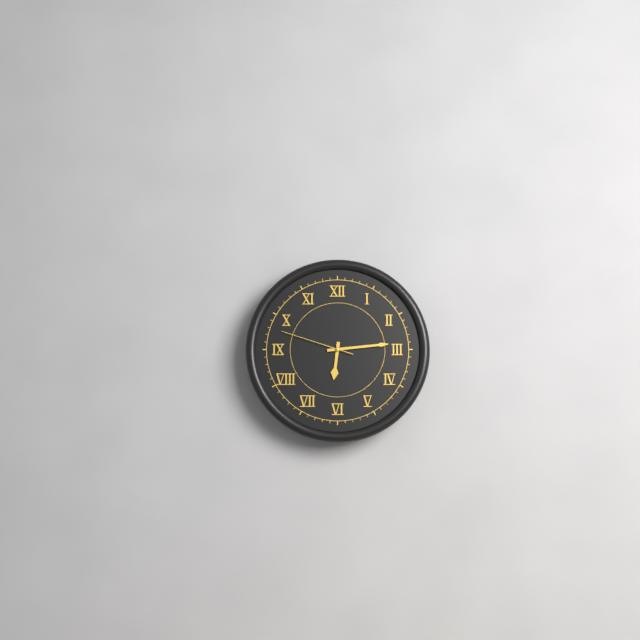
h=6 m=14 s=48
